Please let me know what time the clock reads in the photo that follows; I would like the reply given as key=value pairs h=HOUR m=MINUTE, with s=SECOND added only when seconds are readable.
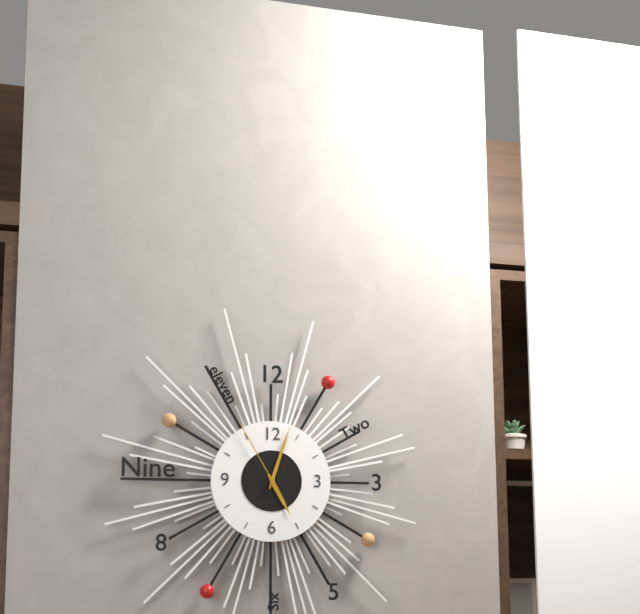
h=5 m=3 s=55
